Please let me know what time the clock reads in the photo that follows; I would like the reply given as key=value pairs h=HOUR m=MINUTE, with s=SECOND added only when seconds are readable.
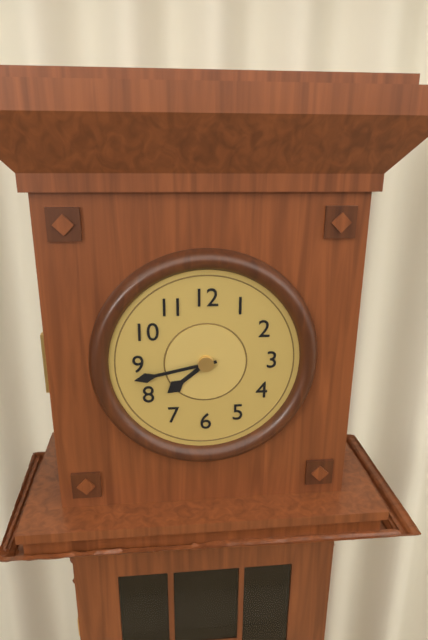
h=7 m=43
